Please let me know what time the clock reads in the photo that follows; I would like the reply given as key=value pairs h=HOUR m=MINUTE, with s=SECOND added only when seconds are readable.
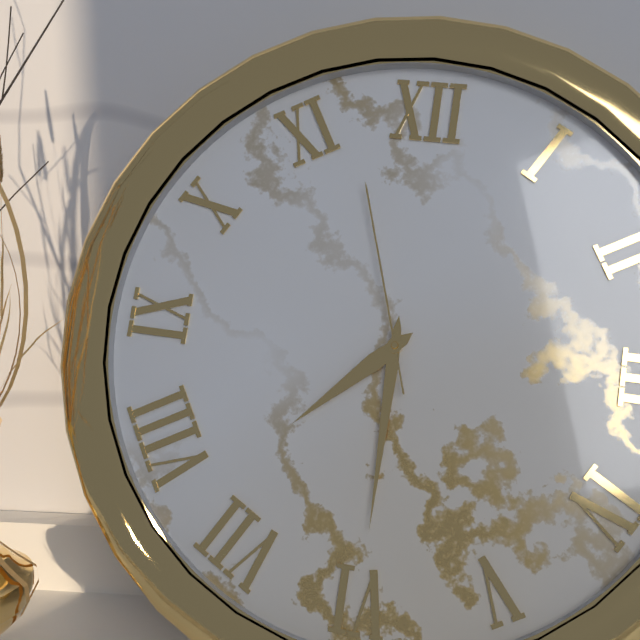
h=7 m=30 s=57
